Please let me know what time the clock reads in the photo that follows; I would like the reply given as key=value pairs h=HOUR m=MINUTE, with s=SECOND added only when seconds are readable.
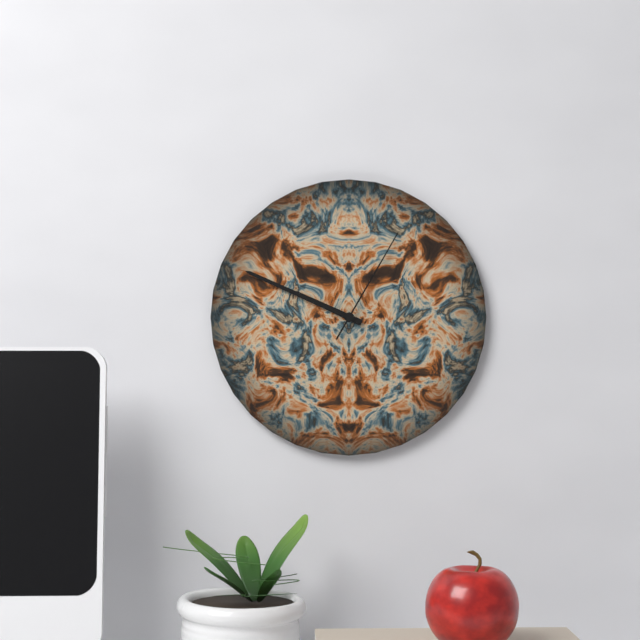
h=9 m=49 s=5
